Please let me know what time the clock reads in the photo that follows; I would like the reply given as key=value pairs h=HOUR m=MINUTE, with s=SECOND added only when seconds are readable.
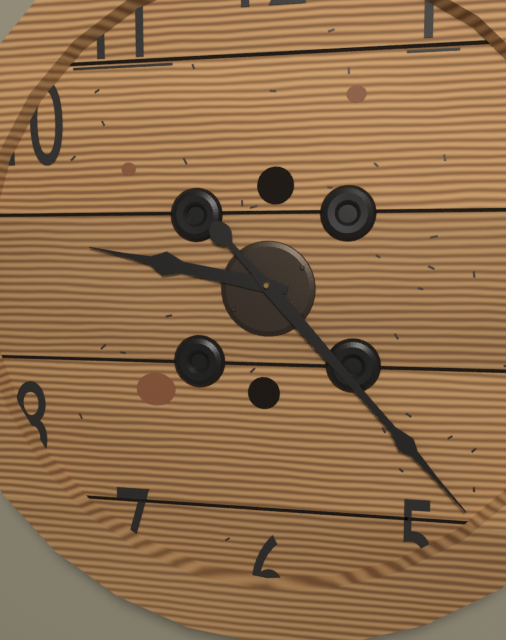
h=9 m=23
